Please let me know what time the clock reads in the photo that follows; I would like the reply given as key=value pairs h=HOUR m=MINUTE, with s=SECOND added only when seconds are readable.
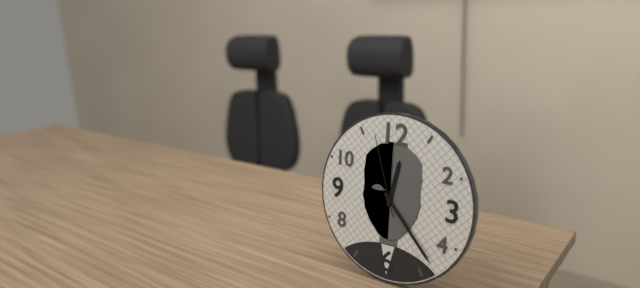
h=12 m=23 s=57
